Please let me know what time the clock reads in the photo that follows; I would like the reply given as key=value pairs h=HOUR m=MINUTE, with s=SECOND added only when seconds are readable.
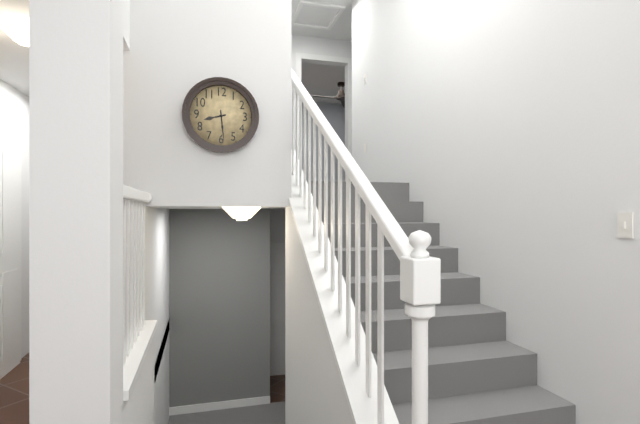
h=8 m=29
